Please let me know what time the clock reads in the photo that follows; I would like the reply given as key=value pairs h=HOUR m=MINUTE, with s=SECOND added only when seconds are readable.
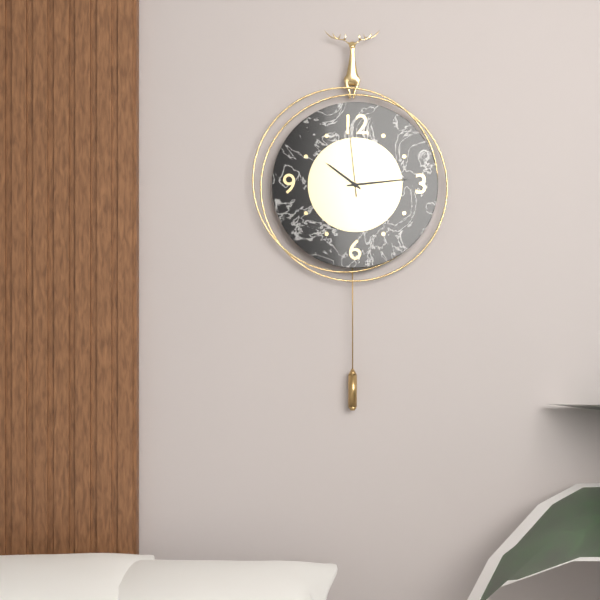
h=10 m=14 s=59
